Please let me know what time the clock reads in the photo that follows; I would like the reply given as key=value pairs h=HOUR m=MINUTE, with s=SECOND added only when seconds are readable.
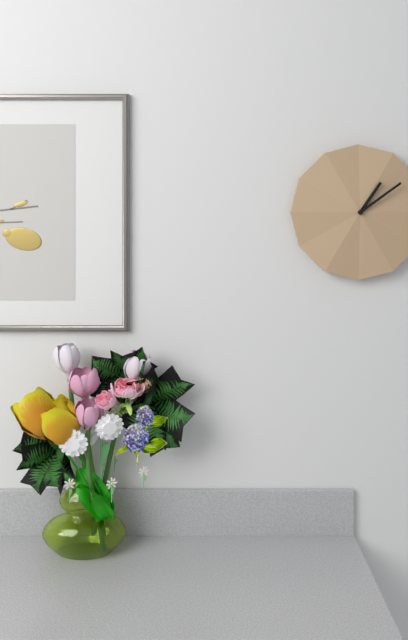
h=1 m=9
